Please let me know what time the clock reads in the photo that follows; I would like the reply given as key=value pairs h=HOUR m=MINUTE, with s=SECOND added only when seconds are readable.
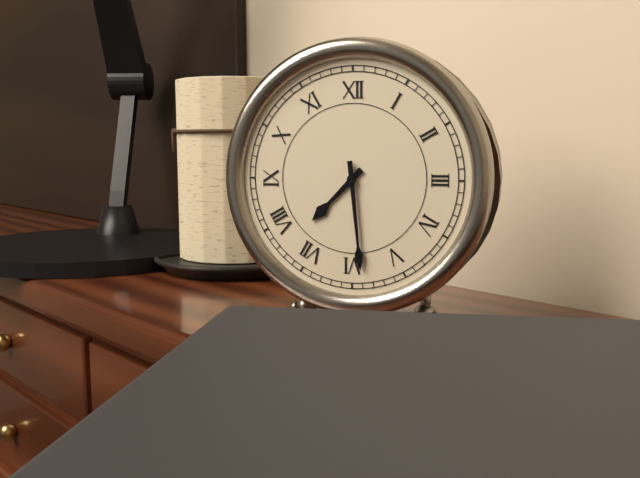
h=7 m=29
